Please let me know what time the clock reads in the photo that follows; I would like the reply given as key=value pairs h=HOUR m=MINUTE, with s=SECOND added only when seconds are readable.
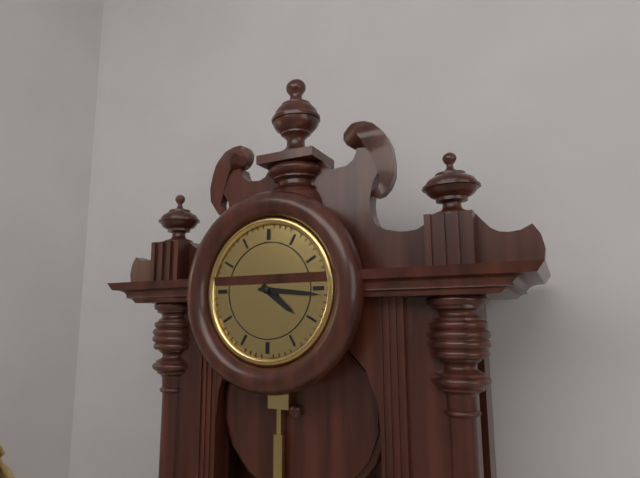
h=4 m=16
